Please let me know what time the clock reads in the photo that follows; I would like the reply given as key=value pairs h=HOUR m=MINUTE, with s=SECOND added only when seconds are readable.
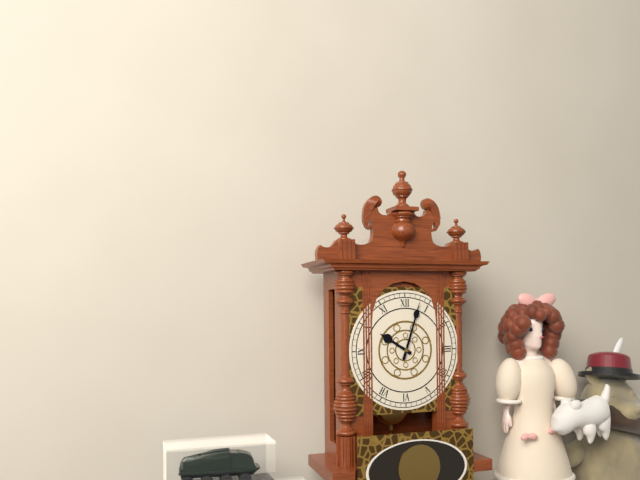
h=10 m=3
